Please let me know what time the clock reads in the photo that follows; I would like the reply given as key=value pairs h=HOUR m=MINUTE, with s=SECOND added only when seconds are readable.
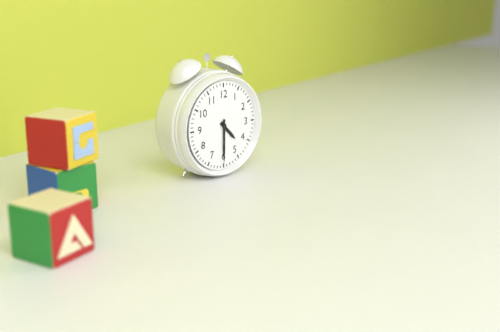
h=4 m=30
